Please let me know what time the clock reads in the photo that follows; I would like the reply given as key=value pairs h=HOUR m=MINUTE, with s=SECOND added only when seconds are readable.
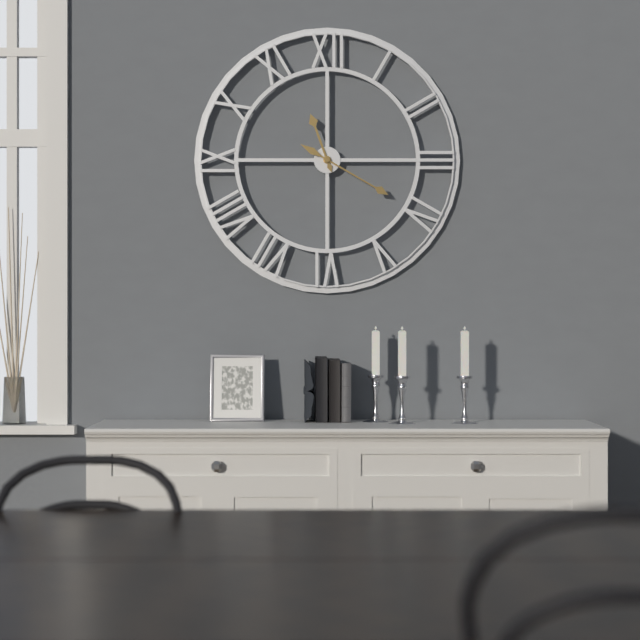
h=11 m=20
